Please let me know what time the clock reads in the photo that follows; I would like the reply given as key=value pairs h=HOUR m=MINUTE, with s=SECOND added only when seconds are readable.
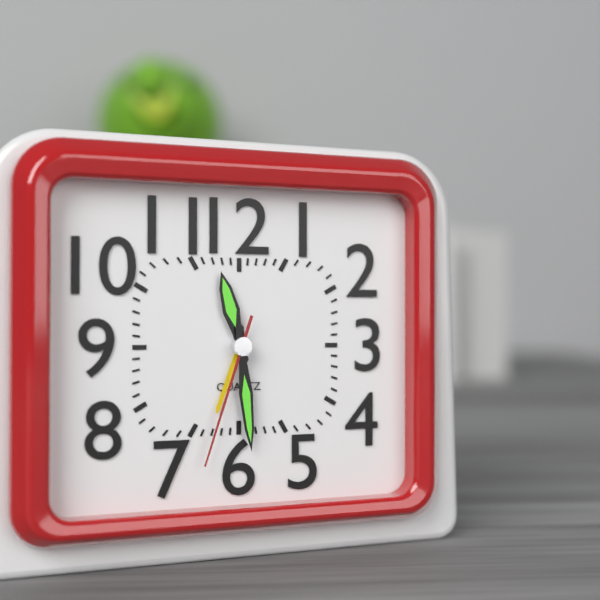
h=11 m=29 s=33
